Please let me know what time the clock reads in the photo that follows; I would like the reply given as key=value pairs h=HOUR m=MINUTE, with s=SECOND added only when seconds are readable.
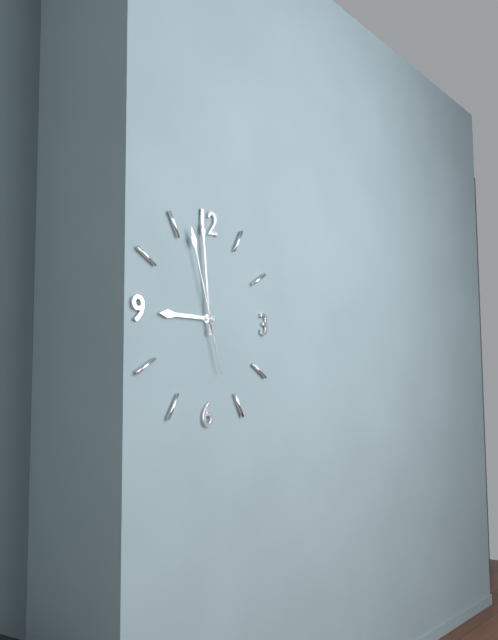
h=8 m=59 s=57
